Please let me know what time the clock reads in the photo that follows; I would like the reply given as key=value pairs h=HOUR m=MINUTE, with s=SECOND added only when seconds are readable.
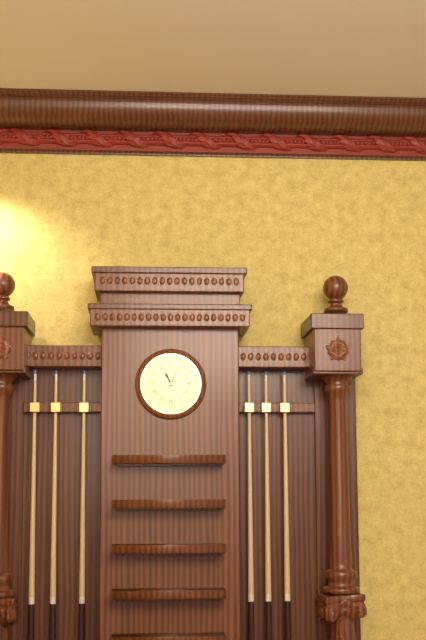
h=11 m=4
